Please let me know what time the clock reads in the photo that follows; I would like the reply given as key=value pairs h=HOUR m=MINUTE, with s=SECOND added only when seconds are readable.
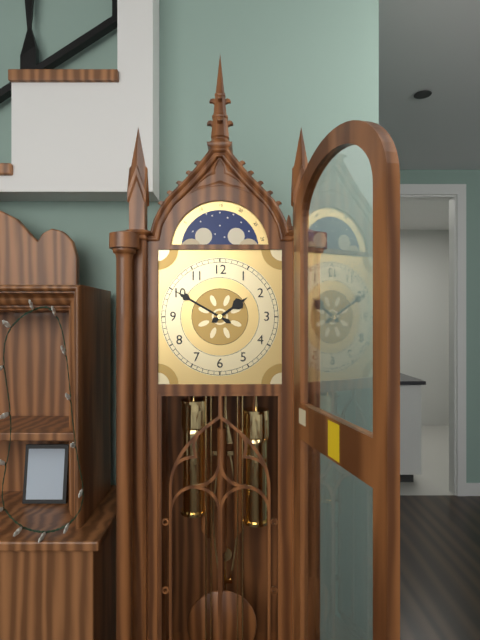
h=1 m=50
